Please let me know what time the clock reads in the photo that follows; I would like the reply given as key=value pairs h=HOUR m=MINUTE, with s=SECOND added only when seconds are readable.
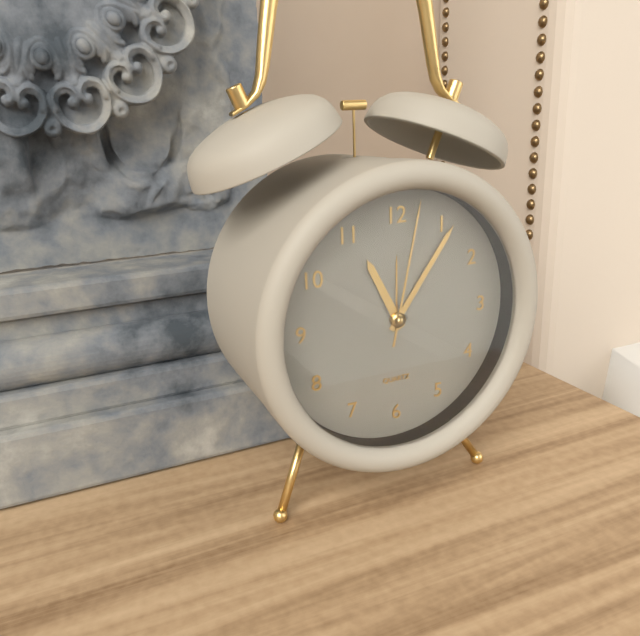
h=11 m=6 s=2
